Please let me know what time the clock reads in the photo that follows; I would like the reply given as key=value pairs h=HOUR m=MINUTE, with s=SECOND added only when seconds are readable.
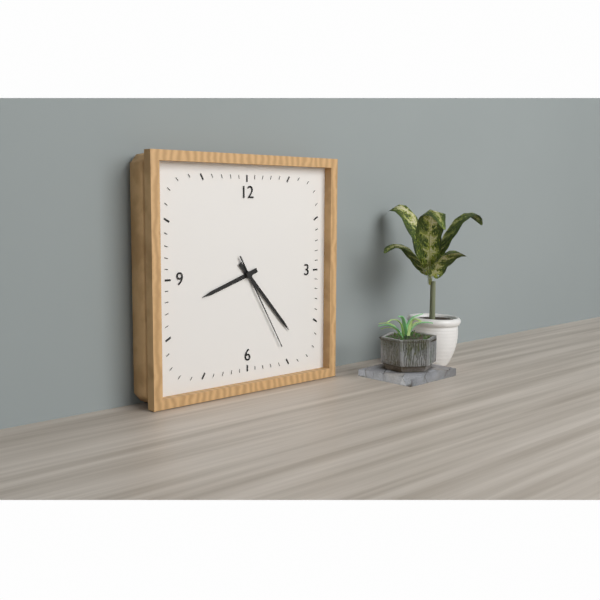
h=8 m=23 s=25
